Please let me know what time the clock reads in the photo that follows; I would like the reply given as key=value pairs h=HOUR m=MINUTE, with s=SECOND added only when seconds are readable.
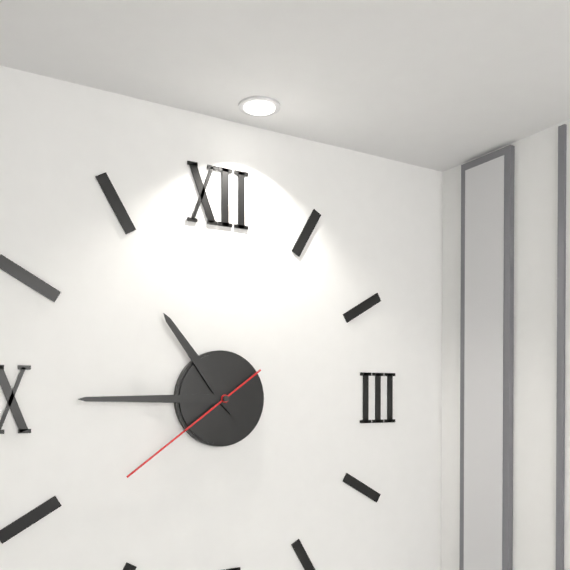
h=10 m=45 s=39
